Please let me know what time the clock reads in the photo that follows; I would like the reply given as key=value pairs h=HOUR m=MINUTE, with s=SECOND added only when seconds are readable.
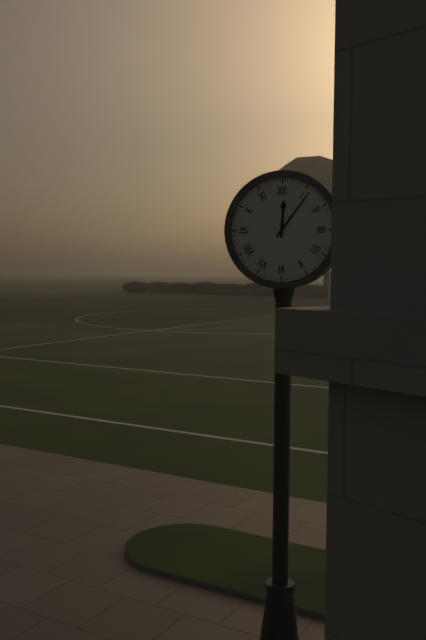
h=12 m=6
